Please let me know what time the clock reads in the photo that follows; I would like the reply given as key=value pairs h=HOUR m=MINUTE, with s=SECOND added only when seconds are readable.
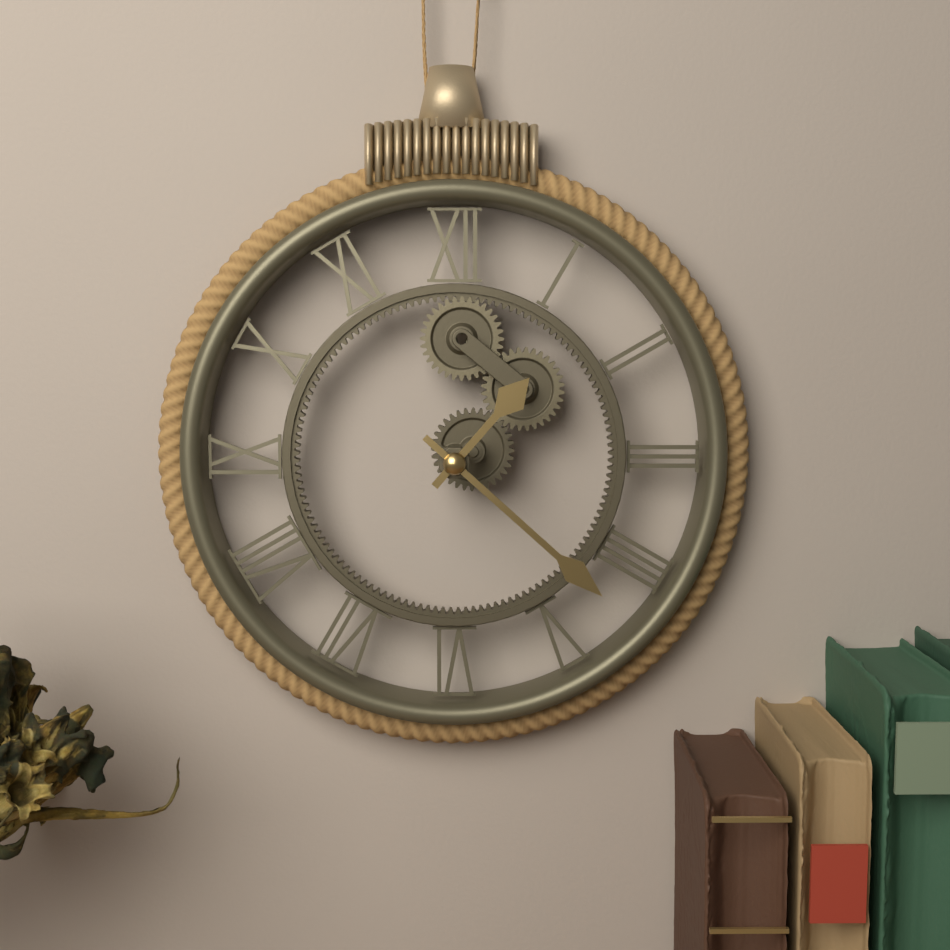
h=1 m=22
